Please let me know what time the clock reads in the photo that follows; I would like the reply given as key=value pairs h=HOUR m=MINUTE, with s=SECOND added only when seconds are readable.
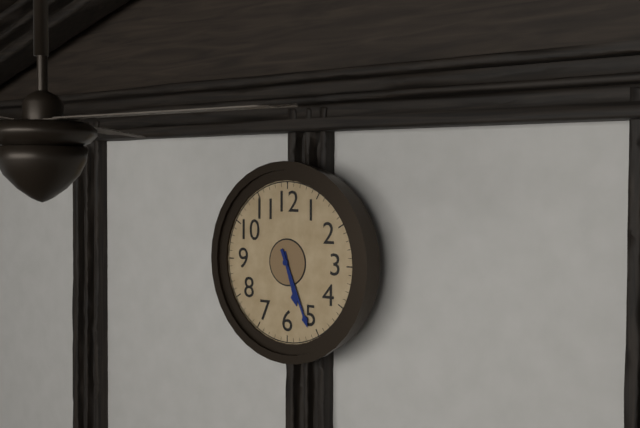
h=5 m=26
